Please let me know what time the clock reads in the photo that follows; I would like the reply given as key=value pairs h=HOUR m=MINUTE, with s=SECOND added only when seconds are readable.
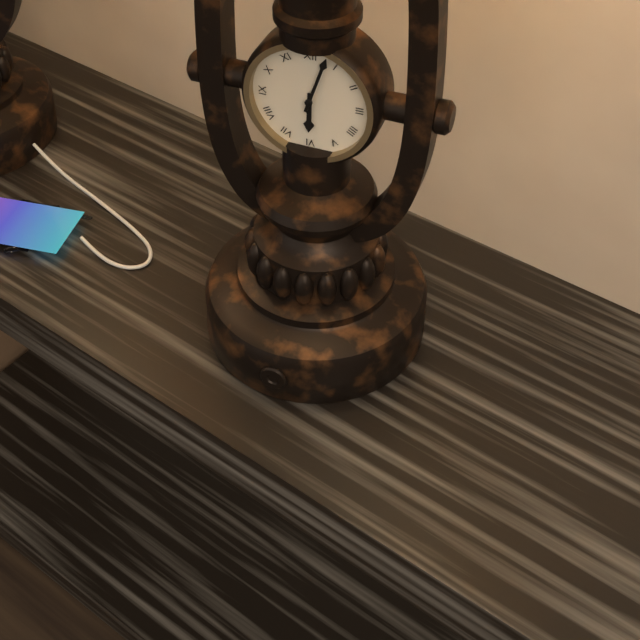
h=6 m=3
